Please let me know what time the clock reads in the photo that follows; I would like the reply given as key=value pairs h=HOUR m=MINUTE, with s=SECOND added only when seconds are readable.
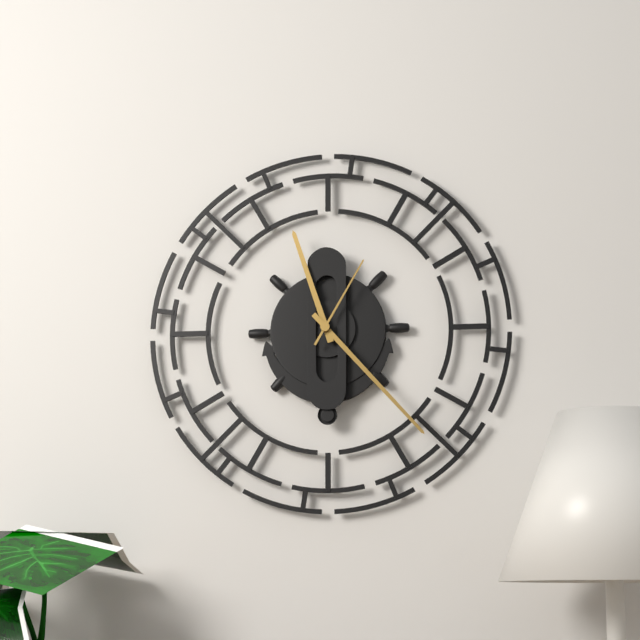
h=11 m=23 s=5
